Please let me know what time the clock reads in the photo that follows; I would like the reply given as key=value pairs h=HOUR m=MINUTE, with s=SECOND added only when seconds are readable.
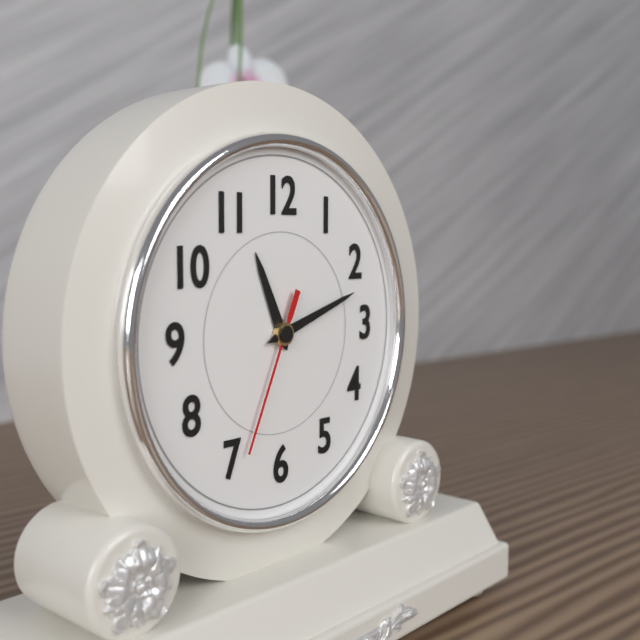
h=11 m=12 s=34
